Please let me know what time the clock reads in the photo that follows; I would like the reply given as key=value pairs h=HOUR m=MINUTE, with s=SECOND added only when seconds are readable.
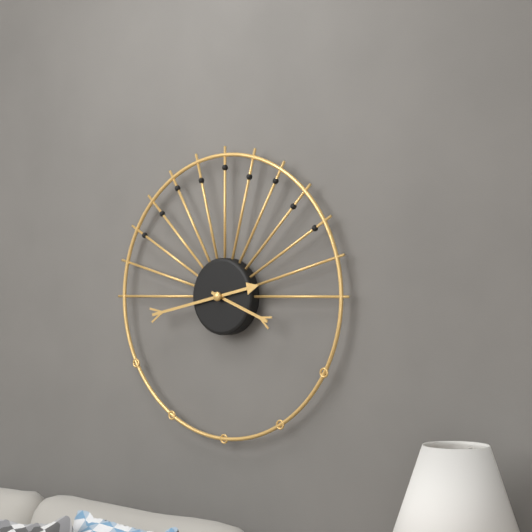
h=3 m=43
